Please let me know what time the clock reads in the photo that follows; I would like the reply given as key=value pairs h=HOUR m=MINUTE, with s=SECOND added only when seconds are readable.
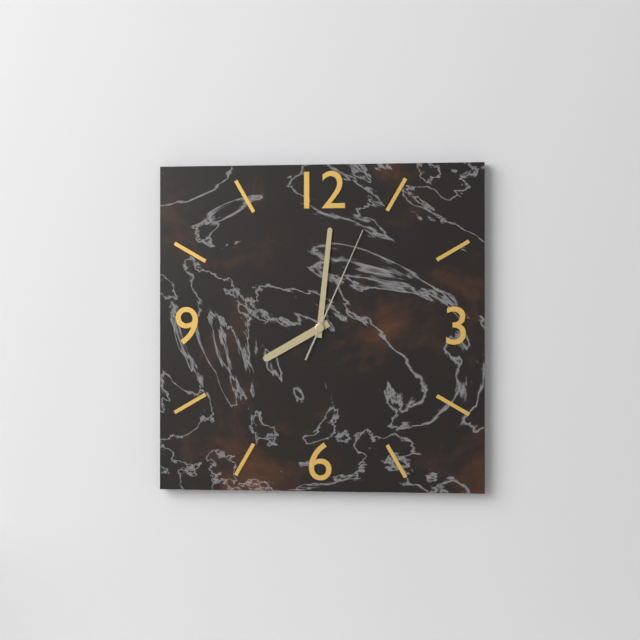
h=8 m=1 s=4
